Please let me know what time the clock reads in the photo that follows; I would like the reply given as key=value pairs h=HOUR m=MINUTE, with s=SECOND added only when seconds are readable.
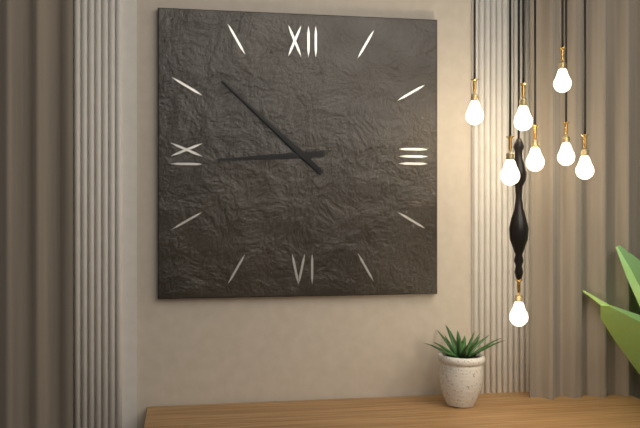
h=8 m=52
